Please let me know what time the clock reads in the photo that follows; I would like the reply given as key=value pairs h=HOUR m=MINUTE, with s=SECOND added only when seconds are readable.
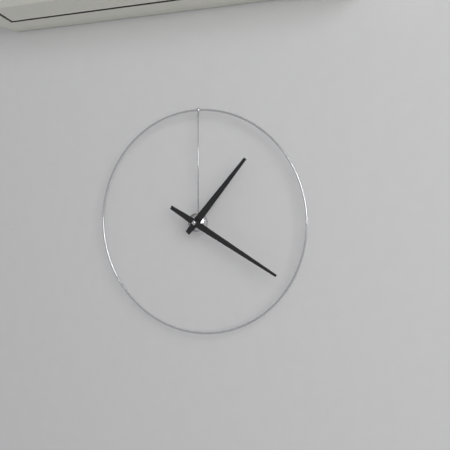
h=1 m=20
